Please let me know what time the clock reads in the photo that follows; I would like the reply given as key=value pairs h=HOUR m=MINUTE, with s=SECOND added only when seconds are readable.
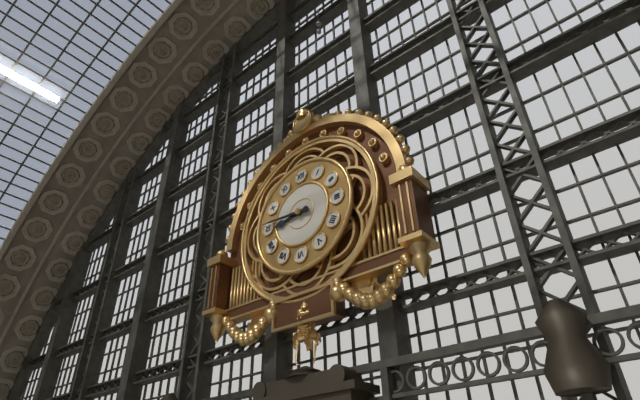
h=8 m=46
